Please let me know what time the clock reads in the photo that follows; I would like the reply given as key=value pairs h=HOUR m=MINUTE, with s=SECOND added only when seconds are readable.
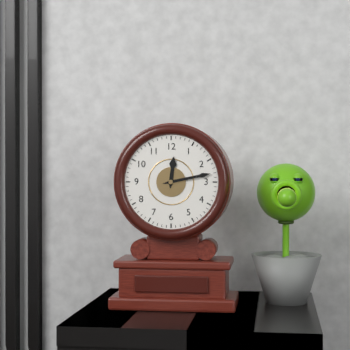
h=12 m=13
